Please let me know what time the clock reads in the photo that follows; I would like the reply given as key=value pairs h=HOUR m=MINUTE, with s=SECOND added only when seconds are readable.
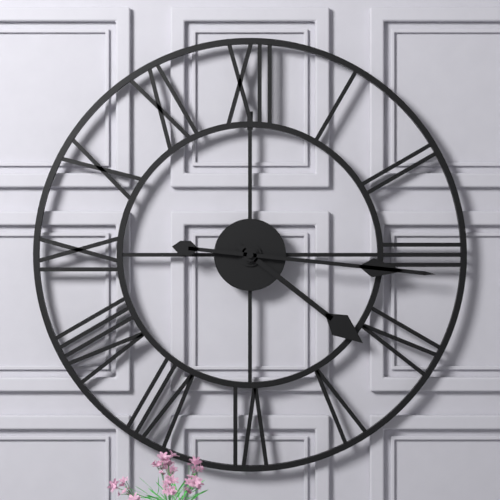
h=4 m=16
